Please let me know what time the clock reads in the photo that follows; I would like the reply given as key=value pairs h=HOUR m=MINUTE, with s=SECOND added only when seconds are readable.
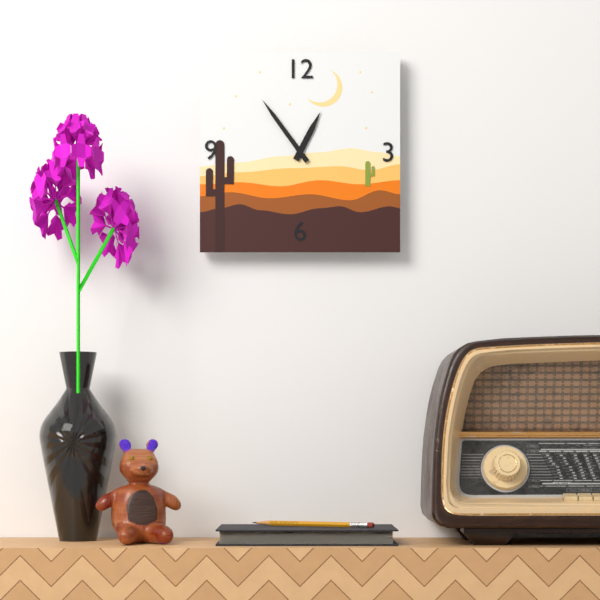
h=12 m=54
